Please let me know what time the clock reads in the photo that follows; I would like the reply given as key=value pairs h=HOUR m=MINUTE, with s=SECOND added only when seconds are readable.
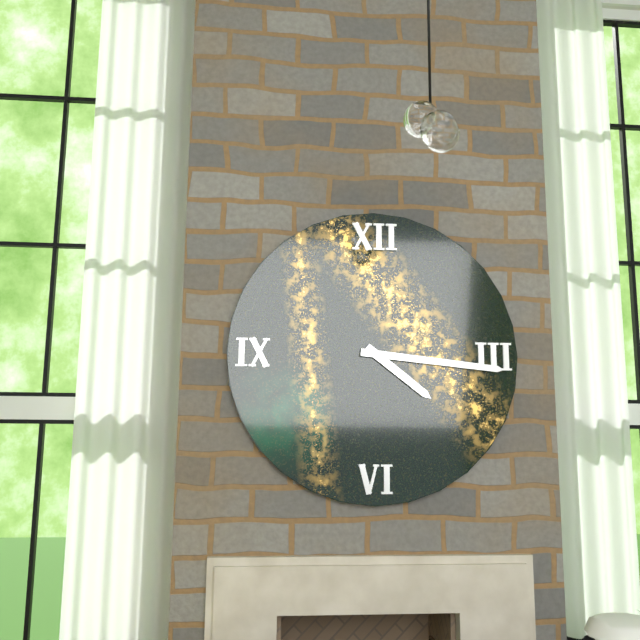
h=4 m=16
